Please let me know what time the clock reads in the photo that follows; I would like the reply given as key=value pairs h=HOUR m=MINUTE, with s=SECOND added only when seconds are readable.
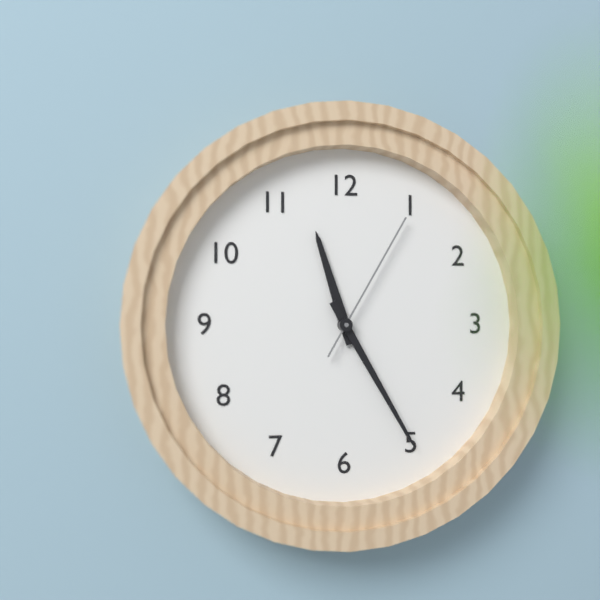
h=11 m=25 s=5
